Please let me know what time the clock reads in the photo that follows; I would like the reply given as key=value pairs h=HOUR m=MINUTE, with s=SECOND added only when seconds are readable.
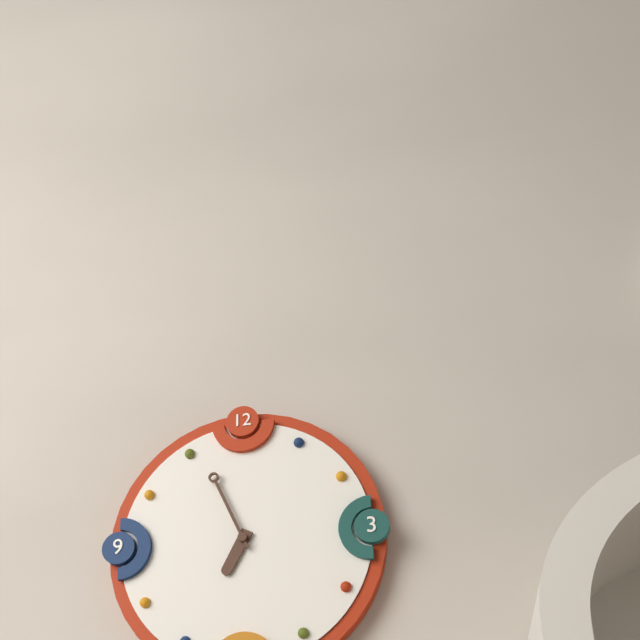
h=6 m=56
